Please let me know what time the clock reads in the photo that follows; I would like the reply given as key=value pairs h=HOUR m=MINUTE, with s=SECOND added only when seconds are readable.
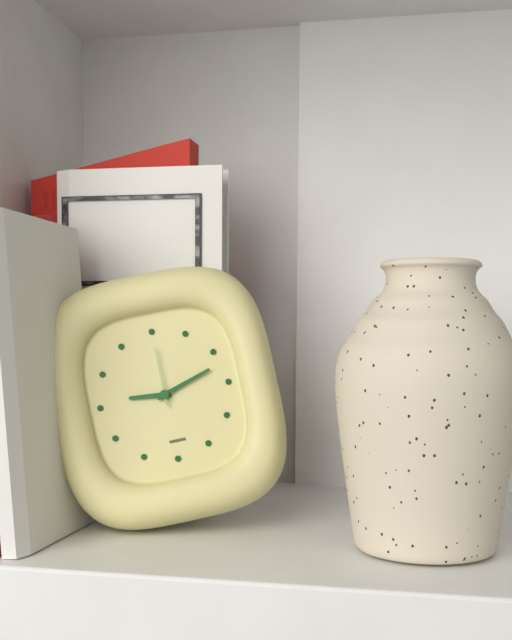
h=9 m=12 s=0
